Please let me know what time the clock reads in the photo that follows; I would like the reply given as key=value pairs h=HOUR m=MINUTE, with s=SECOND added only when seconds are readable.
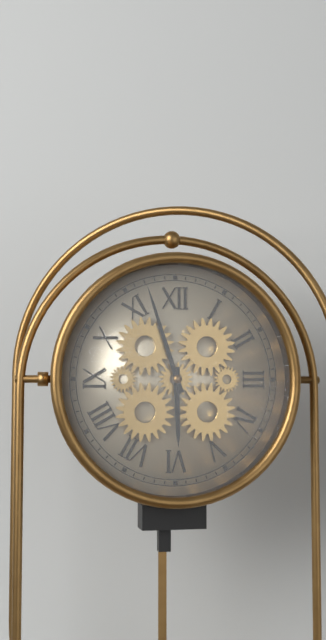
h=5 m=57
